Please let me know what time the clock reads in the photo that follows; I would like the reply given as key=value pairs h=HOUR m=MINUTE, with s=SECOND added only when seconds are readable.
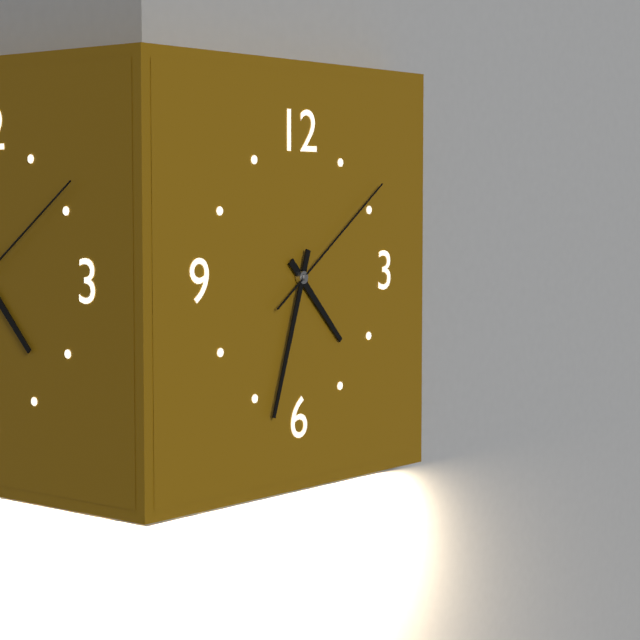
h=4 m=33 s=9
